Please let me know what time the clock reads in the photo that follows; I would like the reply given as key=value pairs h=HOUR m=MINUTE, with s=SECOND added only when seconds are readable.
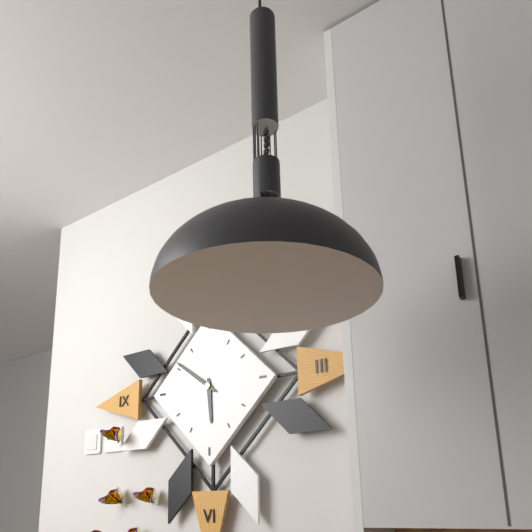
h=5 m=51
